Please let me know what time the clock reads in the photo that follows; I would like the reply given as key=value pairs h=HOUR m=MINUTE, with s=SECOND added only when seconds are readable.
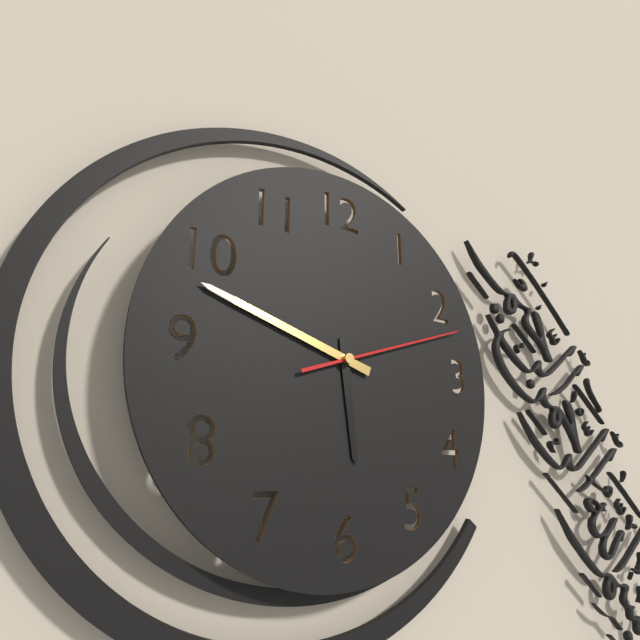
h=5 m=48 s=12
